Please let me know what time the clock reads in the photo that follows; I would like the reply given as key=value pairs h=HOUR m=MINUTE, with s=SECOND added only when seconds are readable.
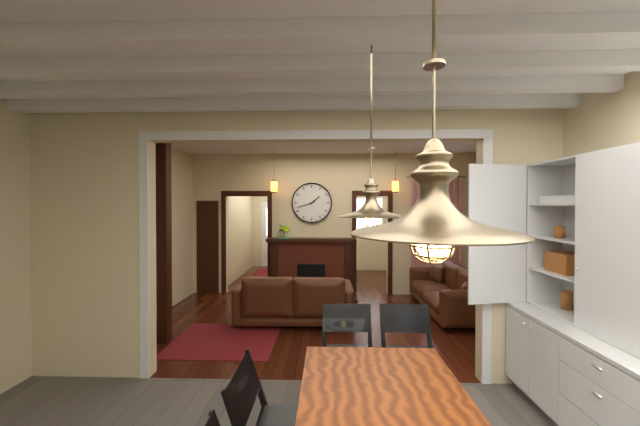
h=1 m=42
